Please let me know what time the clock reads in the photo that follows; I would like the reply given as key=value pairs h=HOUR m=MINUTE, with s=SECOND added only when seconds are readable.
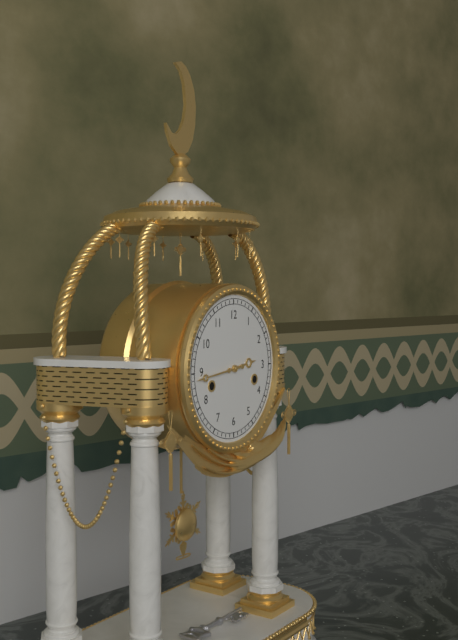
h=2 m=44
